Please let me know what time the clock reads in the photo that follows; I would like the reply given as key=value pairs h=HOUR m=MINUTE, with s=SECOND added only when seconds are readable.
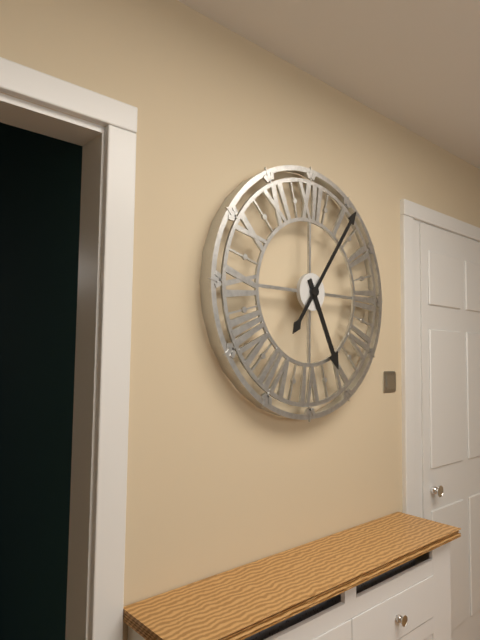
h=5 m=6
